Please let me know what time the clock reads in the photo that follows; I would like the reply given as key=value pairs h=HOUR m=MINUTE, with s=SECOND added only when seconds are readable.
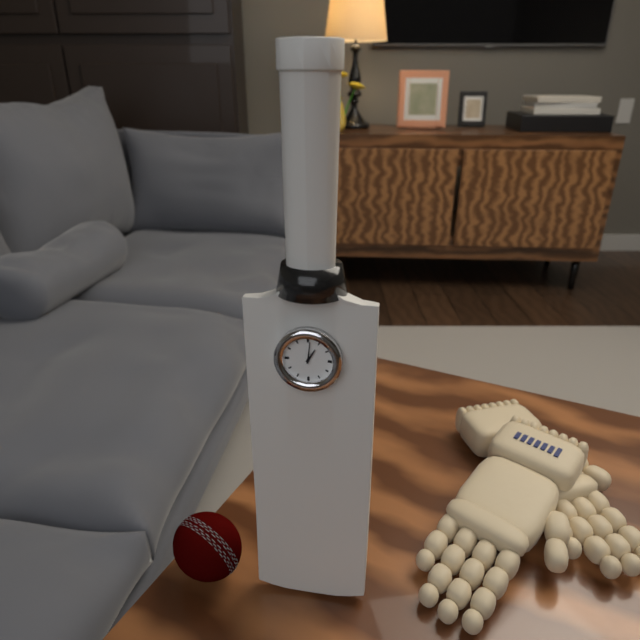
h=1 m=1
